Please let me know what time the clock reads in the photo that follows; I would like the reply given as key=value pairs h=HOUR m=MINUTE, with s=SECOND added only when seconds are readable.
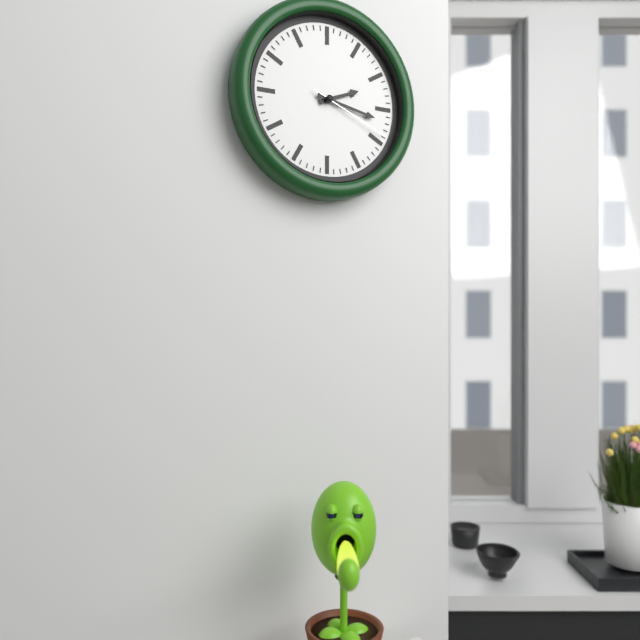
h=2 m=17 s=19
